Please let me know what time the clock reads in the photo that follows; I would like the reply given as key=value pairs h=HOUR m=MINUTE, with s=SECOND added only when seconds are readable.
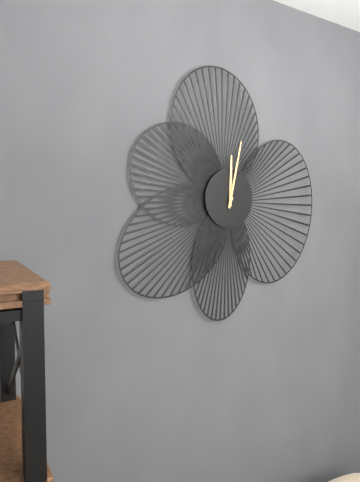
h=12 m=2
